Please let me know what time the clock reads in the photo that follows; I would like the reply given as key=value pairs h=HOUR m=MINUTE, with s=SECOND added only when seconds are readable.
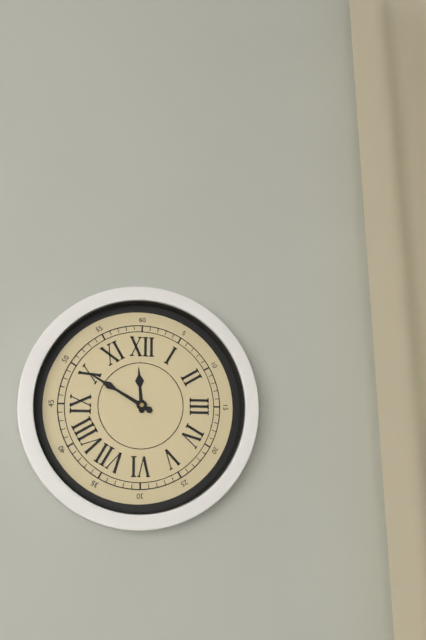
h=11 m=50
